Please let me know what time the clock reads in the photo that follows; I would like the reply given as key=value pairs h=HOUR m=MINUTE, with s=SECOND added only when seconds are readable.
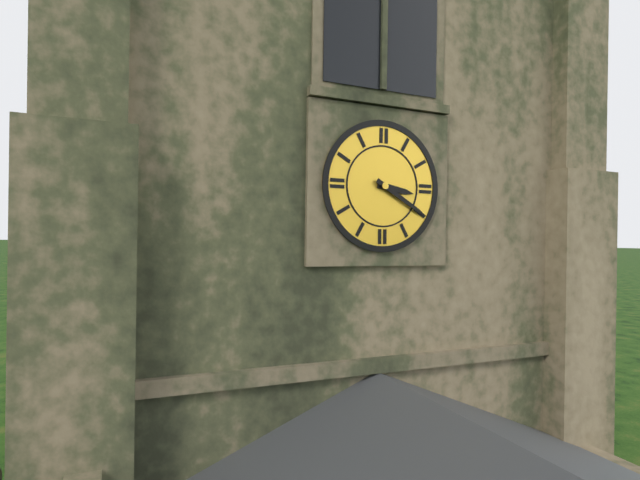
h=3 m=20
